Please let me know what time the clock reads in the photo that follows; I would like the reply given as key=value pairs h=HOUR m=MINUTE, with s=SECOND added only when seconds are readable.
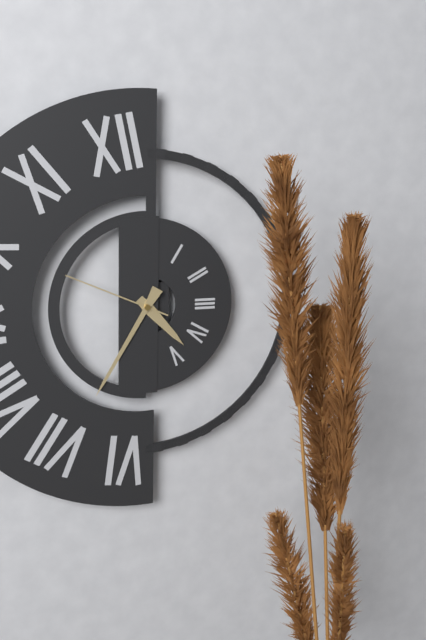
h=4 m=35 s=49
